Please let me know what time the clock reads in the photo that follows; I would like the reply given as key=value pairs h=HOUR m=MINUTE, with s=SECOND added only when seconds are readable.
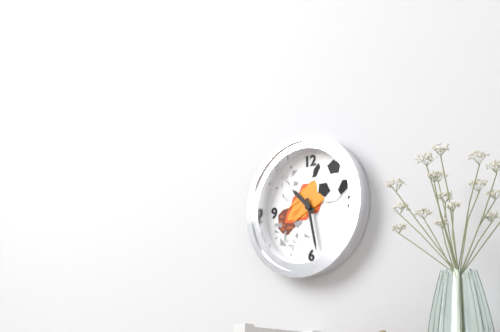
h=10 m=28
